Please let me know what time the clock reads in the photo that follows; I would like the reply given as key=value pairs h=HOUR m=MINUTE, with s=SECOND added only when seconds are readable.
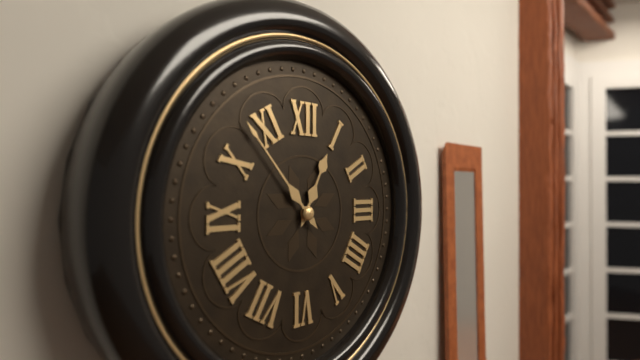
h=12 m=53
